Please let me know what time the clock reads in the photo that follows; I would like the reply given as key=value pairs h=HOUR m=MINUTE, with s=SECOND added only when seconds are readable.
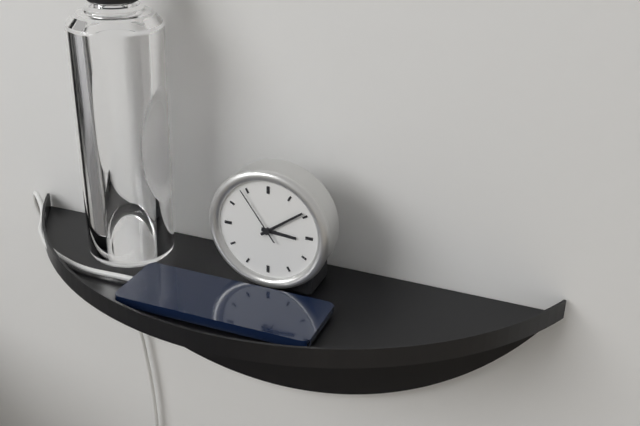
h=3 m=9 s=54
